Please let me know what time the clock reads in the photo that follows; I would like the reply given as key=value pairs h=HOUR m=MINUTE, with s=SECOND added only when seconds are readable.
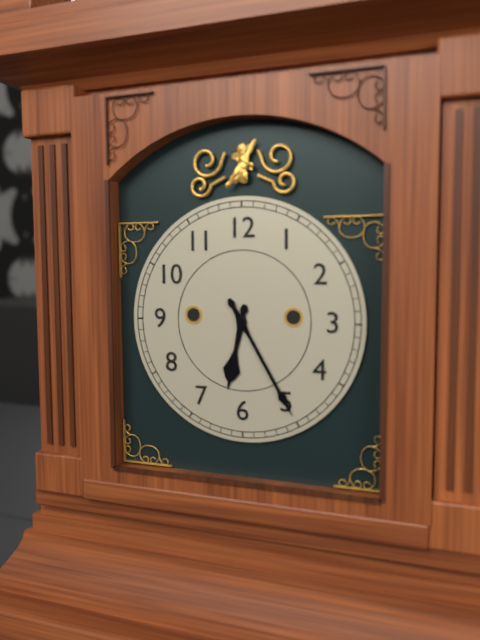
h=6 m=25
